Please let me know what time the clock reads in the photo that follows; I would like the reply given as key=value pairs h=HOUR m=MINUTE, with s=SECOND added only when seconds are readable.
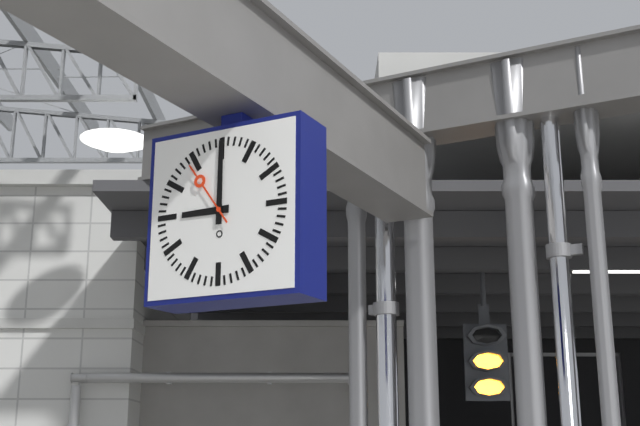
h=9 m=0 s=54
